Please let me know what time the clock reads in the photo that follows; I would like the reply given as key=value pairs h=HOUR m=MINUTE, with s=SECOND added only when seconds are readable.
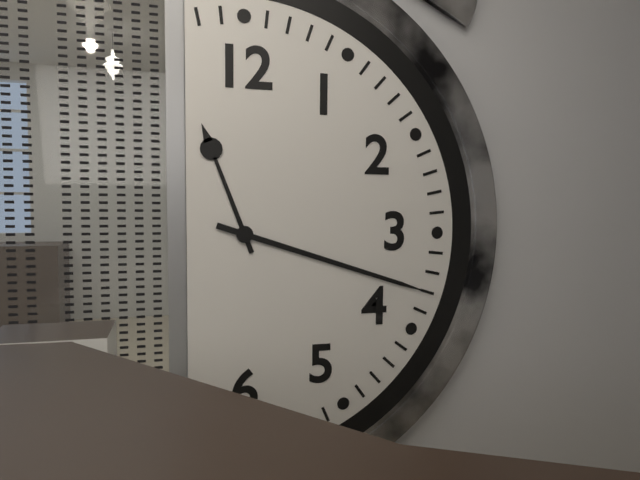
h=11 m=18
